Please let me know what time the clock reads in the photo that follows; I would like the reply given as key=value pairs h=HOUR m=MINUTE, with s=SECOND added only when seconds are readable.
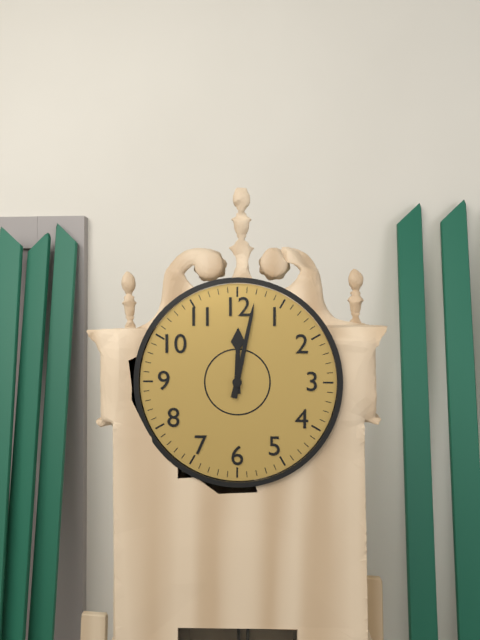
h=12 m=2
